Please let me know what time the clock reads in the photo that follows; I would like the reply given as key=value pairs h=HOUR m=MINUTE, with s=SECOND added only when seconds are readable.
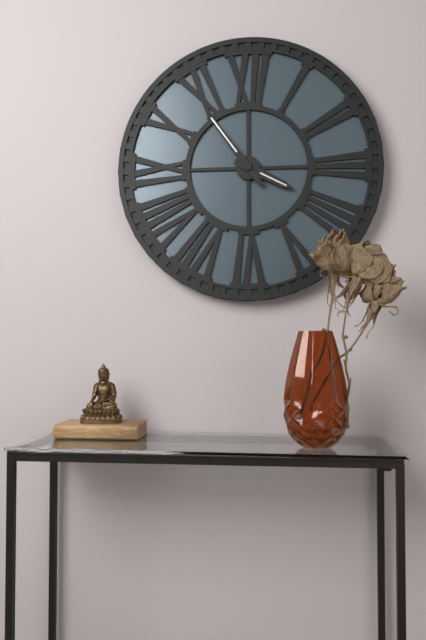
h=3 m=54
